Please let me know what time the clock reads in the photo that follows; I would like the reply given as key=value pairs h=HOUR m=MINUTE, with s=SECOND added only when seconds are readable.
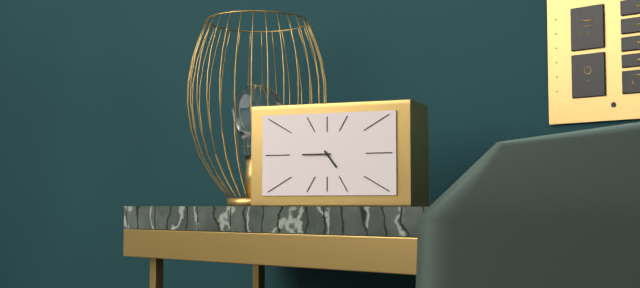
h=4 m=45
